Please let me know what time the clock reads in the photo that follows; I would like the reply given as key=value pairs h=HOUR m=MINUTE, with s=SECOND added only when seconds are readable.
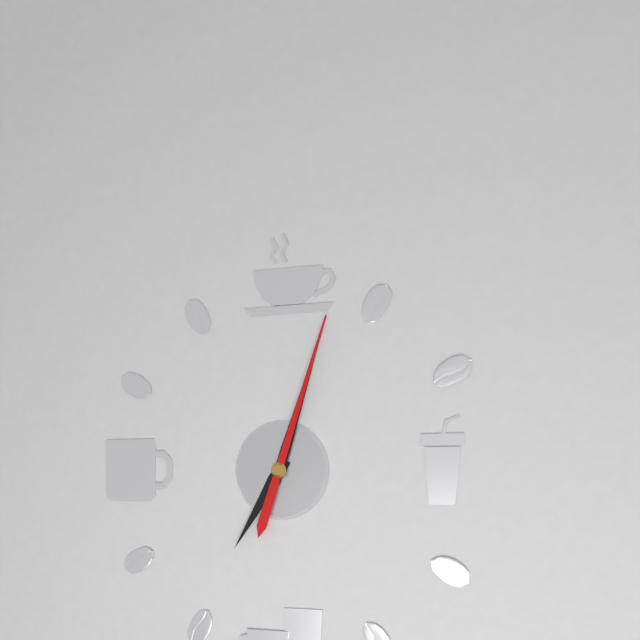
h=7 m=3 s=3
